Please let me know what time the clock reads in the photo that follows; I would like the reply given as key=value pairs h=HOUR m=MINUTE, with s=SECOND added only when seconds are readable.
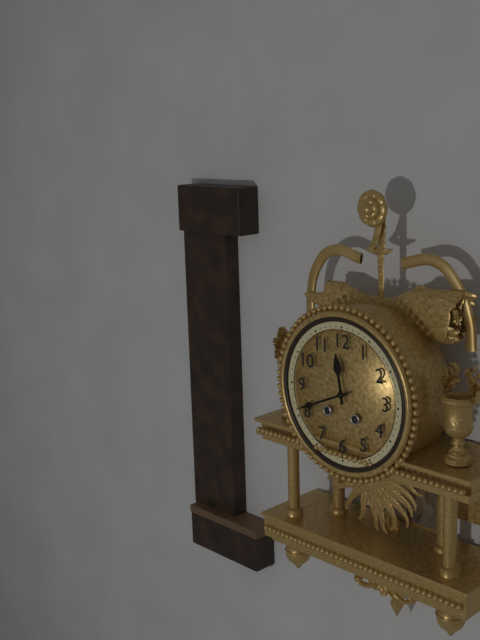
h=11 m=41
